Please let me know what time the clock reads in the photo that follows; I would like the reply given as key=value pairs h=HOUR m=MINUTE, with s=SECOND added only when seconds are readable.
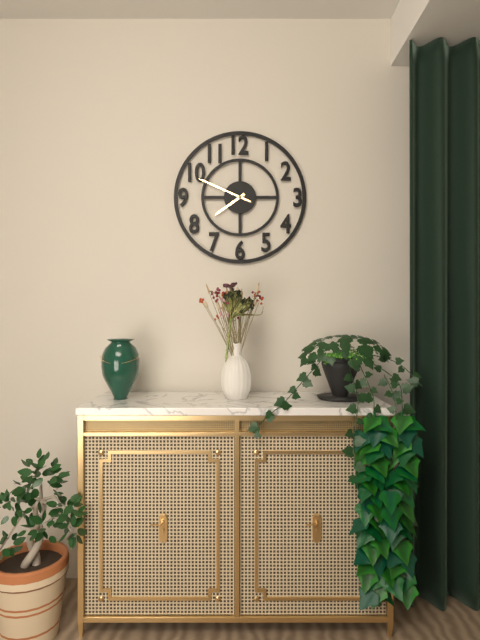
h=7 m=49
